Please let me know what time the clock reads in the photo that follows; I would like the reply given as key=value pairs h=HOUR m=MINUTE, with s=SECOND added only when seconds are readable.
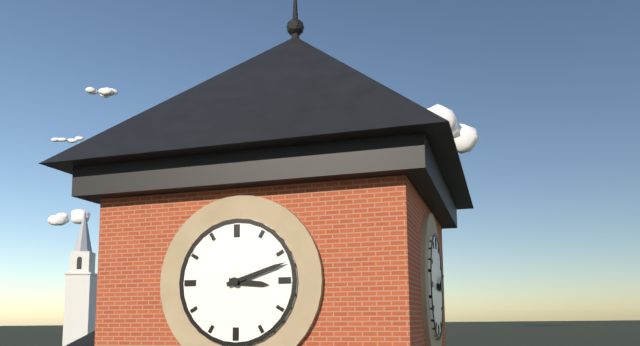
h=3 m=12
